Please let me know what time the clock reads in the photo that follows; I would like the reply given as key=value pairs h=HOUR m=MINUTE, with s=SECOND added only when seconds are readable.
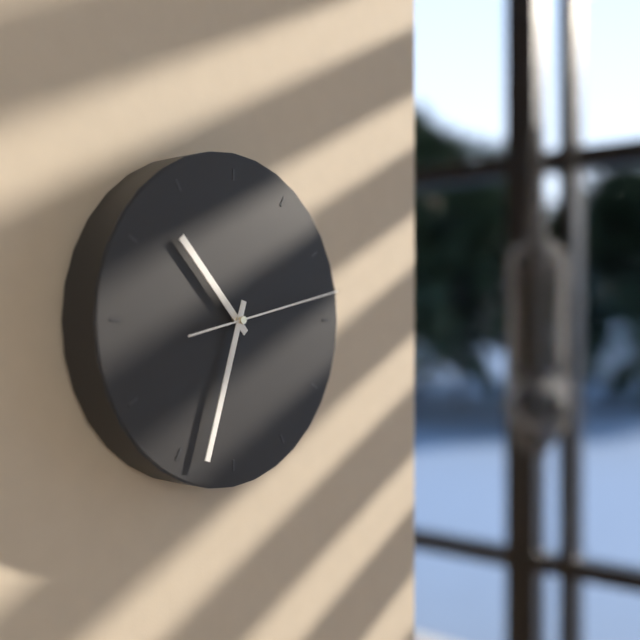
h=10 m=33 s=13
